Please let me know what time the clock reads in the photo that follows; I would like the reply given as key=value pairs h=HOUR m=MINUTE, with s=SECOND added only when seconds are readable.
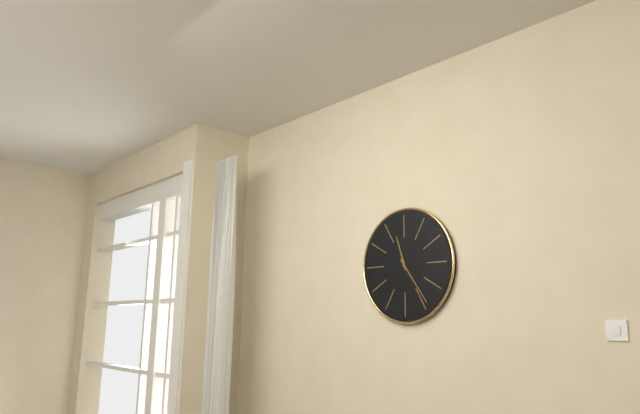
h=11 m=24
